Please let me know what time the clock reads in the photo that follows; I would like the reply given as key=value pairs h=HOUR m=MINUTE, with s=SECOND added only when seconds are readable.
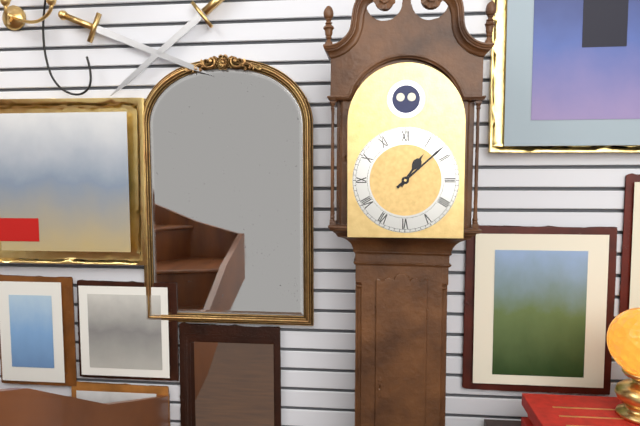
h=1 m=8
